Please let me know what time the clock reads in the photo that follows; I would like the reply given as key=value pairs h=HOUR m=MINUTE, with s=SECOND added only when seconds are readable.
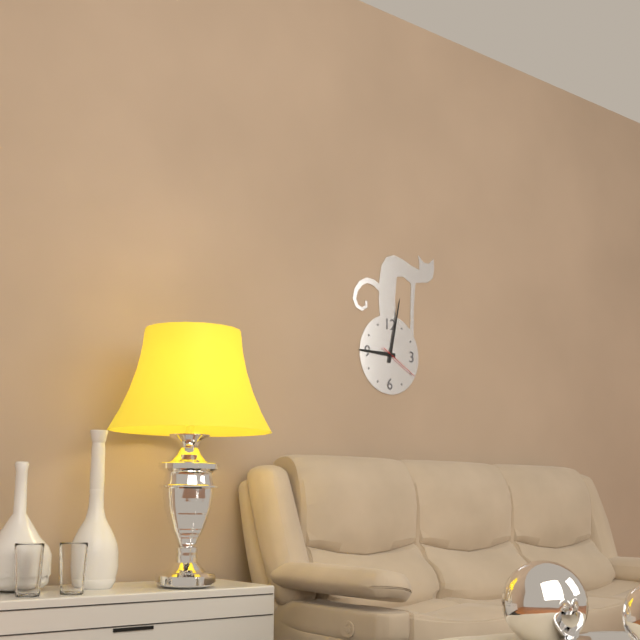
h=9 m=2
